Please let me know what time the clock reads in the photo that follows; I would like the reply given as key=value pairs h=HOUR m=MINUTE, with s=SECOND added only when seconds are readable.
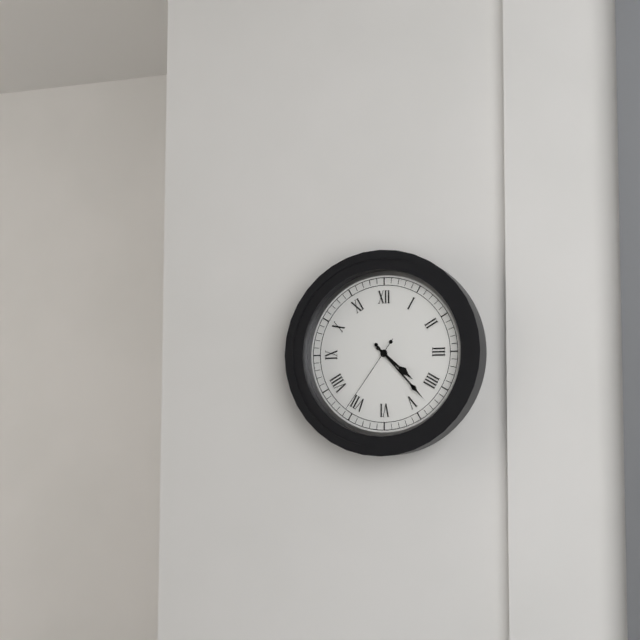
h=4 m=23 s=36
